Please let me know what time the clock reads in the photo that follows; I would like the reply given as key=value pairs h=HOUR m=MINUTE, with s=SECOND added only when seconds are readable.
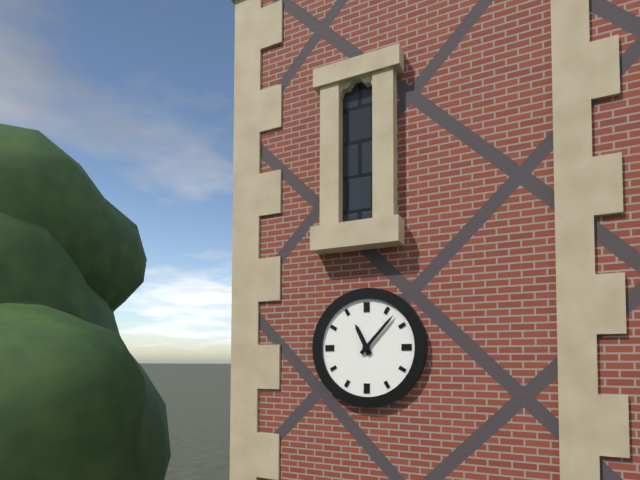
h=11 m=7
